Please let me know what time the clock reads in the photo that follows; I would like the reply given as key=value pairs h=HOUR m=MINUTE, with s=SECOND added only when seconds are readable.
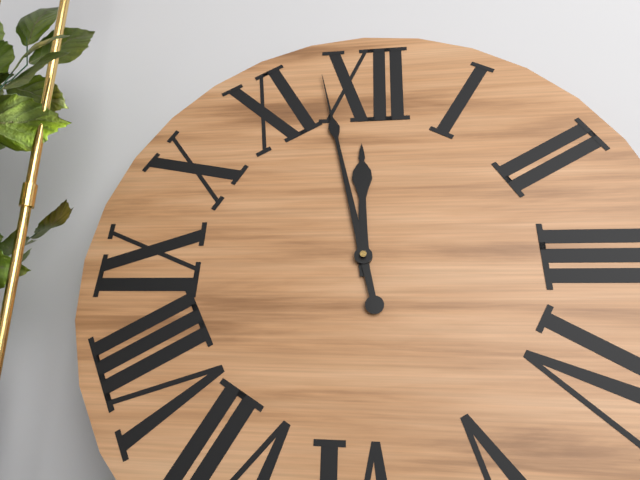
h=11 m=58
